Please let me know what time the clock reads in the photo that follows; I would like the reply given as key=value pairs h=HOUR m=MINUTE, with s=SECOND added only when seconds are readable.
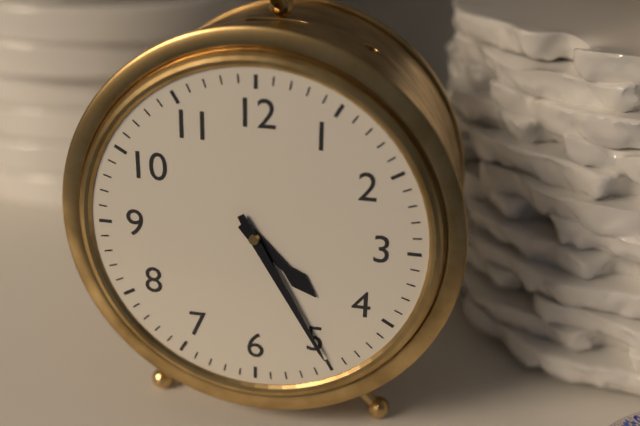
h=4 m=25
